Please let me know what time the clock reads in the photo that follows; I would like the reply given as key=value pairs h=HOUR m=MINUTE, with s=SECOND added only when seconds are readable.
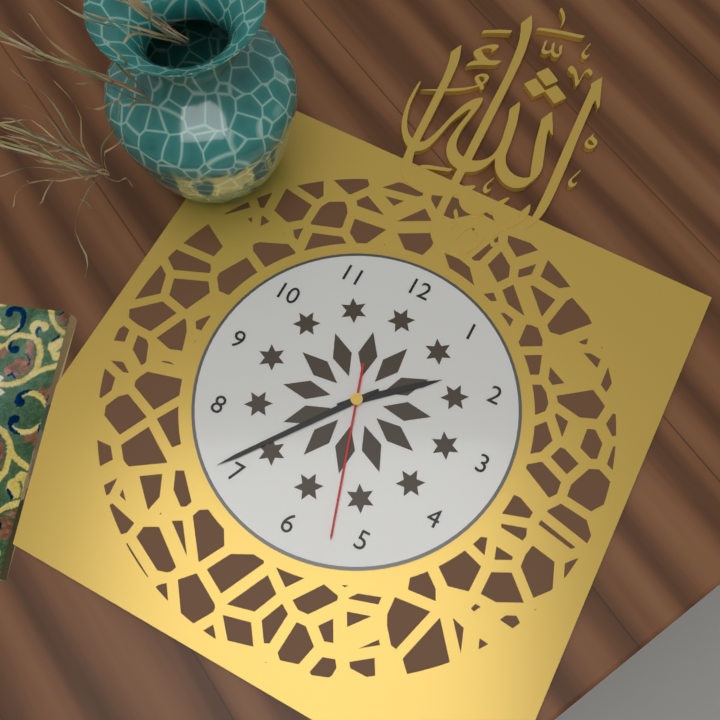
h=1 m=36 s=27
